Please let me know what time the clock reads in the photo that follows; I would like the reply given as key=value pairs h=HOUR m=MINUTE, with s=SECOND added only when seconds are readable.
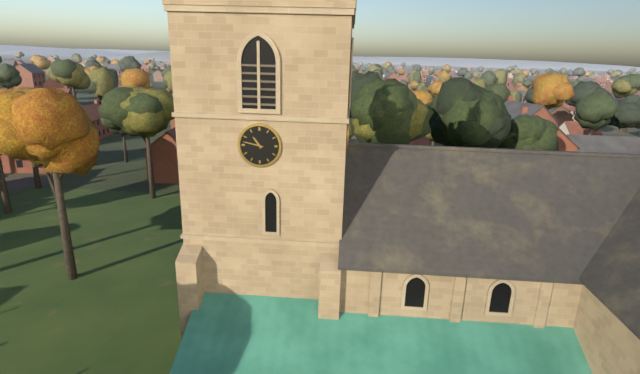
h=10 m=47
